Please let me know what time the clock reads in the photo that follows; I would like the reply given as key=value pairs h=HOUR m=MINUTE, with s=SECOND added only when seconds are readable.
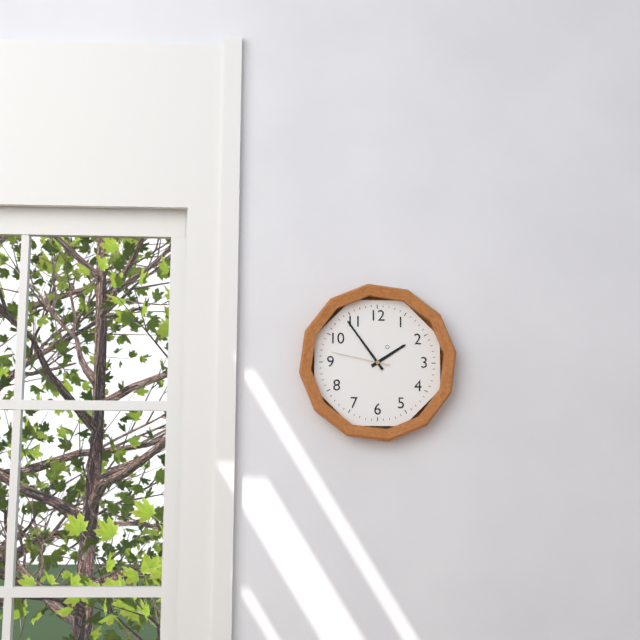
h=1 m=54 s=47
